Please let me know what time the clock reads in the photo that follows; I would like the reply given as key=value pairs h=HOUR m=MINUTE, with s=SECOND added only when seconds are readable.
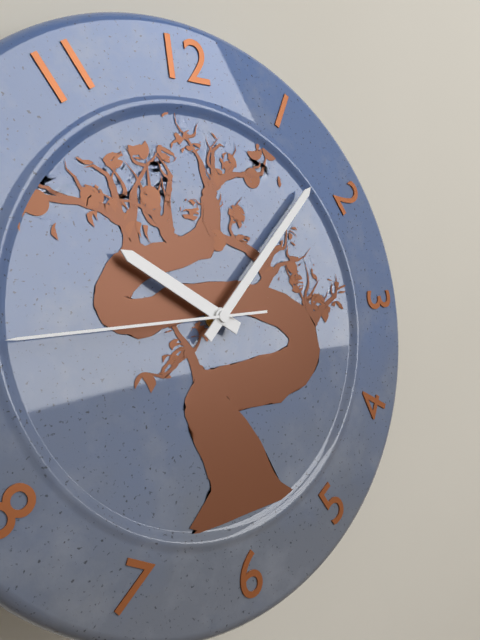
h=10 m=8 s=45
